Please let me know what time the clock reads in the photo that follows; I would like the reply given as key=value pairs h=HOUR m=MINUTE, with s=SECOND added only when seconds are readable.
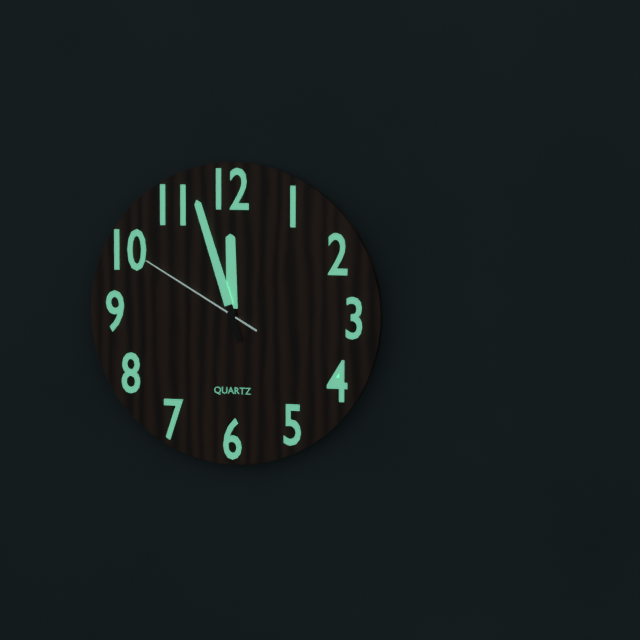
h=11 m=57 s=50
